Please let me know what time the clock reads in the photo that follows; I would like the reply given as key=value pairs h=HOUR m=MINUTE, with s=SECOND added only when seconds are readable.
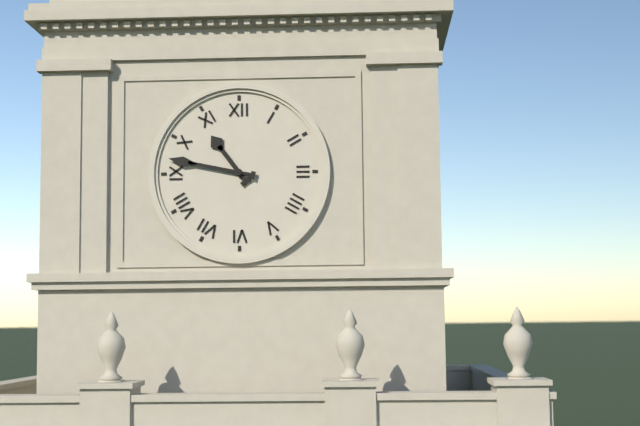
h=10 m=47
